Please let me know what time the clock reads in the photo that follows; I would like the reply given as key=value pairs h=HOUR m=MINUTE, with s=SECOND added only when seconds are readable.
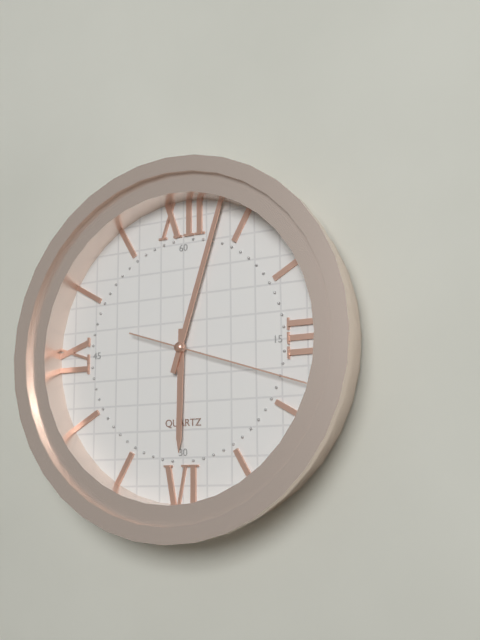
h=6 m=3 s=18
